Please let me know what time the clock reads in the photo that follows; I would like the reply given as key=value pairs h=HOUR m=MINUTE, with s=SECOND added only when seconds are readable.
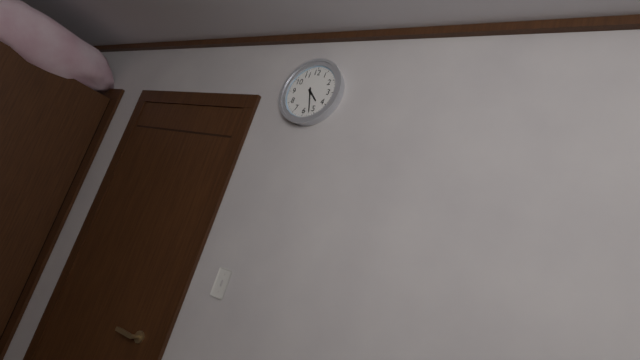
h=4 m=27
